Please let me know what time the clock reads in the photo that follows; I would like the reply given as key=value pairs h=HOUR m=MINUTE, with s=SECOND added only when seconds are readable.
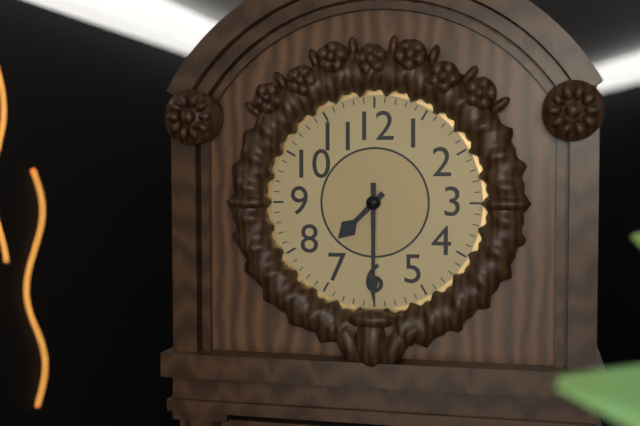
h=7 m=30
